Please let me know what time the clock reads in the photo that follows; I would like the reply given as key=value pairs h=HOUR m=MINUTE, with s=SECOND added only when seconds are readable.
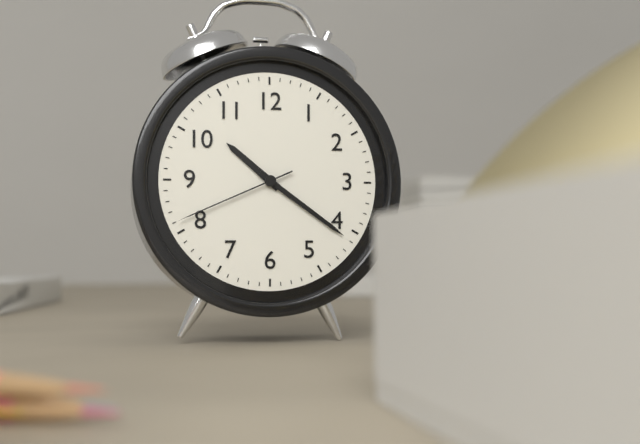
h=10 m=21 s=41
